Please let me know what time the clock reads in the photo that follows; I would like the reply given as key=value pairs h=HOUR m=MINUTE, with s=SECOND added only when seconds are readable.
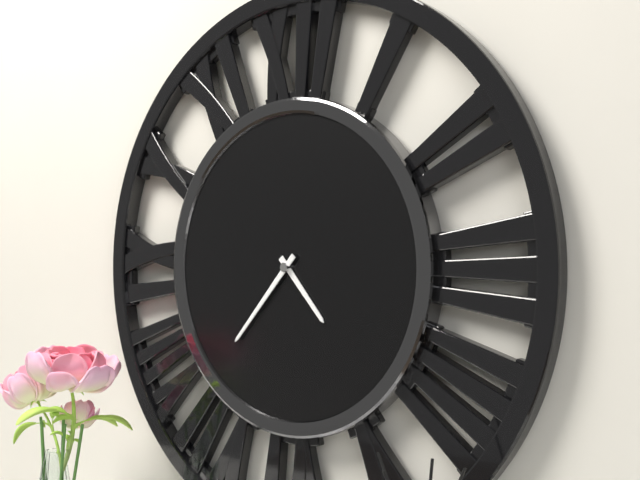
h=4 m=37
